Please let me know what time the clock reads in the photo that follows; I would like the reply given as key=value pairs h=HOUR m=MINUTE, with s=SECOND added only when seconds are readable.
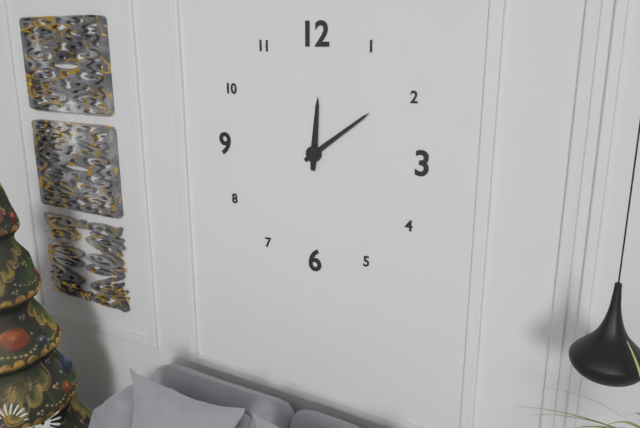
h=12 m=9
